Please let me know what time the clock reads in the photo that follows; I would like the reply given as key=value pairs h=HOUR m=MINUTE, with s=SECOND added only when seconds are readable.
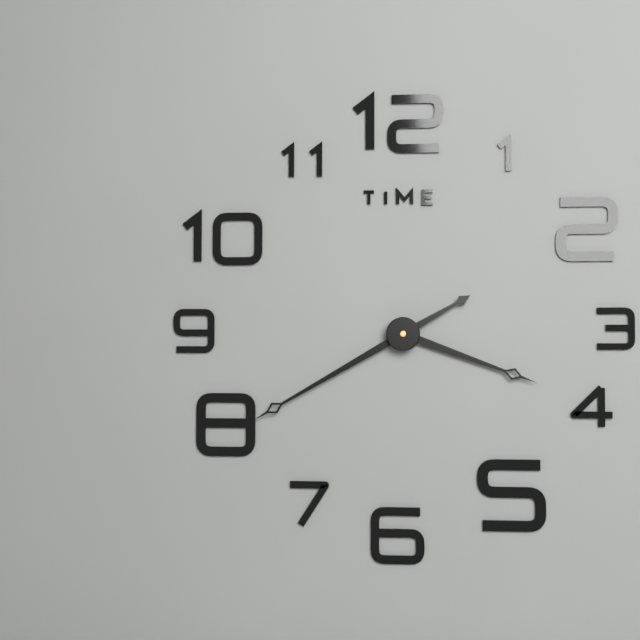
h=3 m=40
